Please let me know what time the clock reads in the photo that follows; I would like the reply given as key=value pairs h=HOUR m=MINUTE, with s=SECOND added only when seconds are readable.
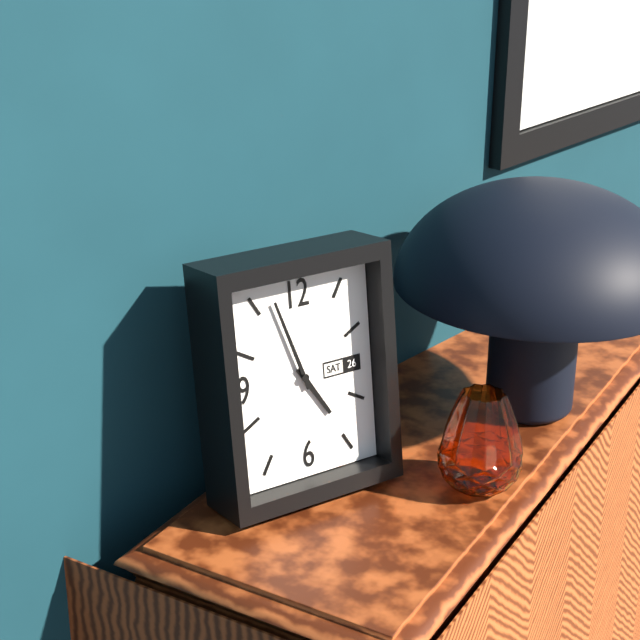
h=4 m=57
